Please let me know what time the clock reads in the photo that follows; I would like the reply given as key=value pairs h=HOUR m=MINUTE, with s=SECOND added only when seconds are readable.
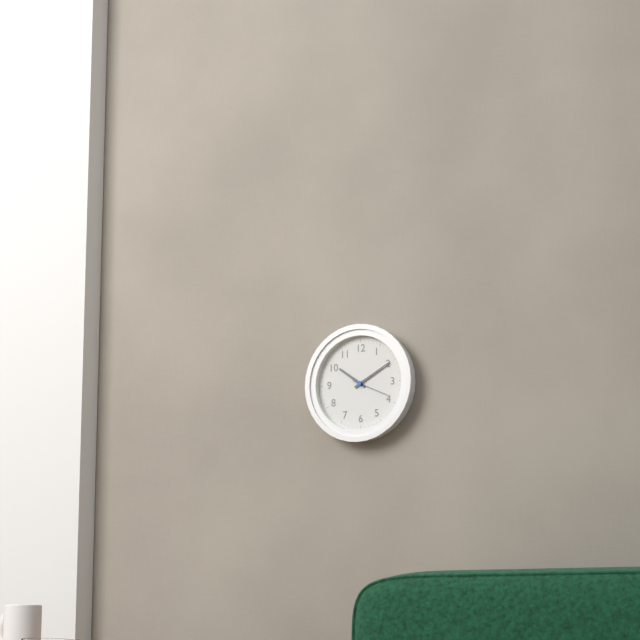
h=10 m=10
